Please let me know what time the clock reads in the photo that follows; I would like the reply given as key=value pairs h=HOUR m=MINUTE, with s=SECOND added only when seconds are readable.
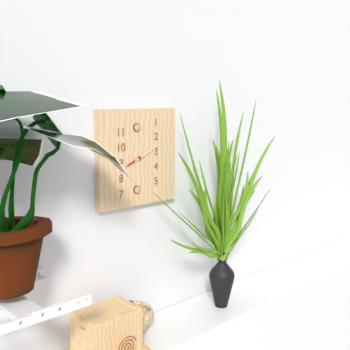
h=8 m=11
